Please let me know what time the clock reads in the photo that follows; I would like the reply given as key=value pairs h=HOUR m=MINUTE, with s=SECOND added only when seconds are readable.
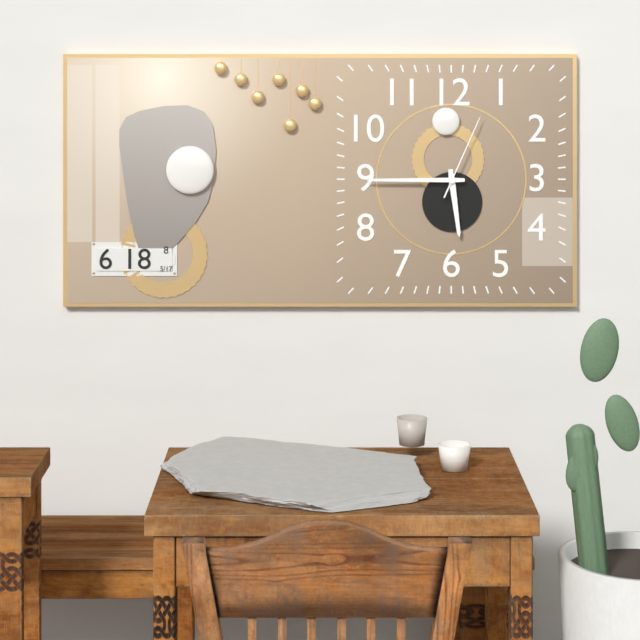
h=5 m=45 s=4
